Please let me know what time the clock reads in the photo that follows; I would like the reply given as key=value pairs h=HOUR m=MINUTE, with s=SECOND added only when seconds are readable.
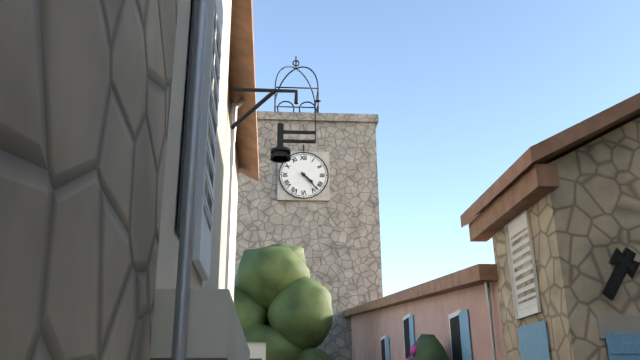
h=4 m=23
